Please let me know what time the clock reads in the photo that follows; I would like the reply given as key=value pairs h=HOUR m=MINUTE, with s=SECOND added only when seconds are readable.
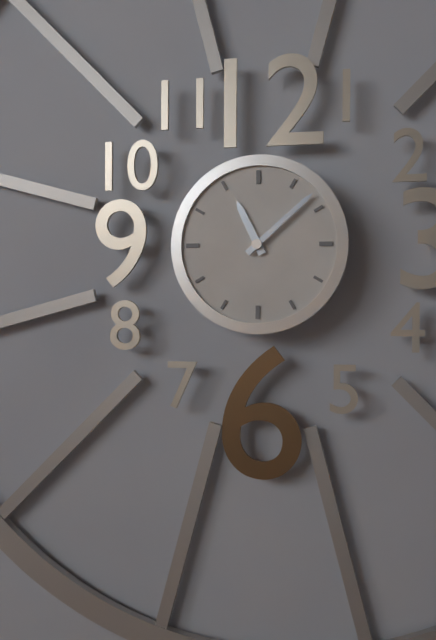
h=11 m=8
